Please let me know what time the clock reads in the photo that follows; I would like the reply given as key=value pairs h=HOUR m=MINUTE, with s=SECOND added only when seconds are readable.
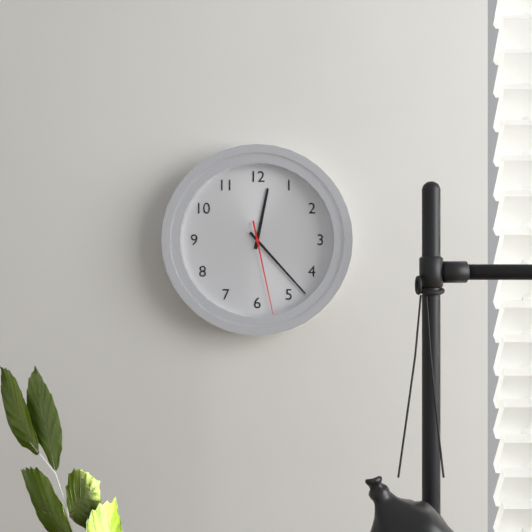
h=12 m=23 s=28
